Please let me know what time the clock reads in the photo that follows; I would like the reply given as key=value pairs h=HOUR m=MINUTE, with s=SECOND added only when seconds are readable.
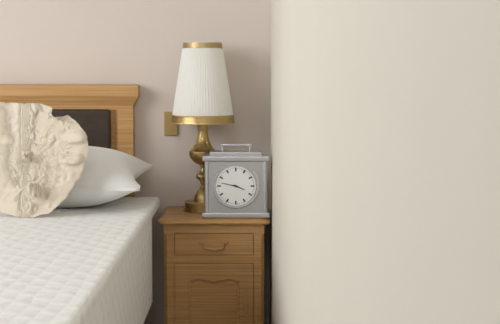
h=3 m=47
